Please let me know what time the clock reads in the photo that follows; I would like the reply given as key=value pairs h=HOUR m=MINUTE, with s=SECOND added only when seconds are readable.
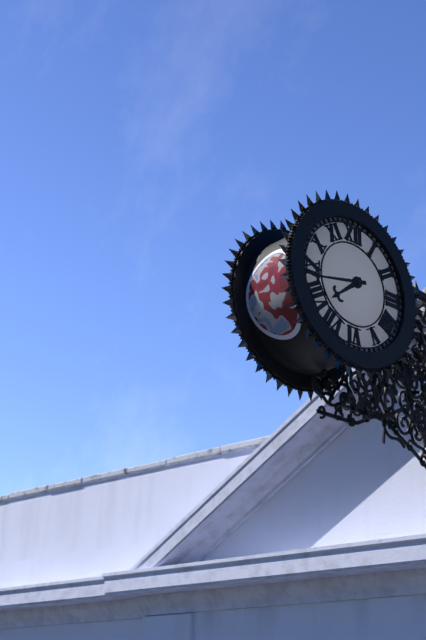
h=7 m=43
